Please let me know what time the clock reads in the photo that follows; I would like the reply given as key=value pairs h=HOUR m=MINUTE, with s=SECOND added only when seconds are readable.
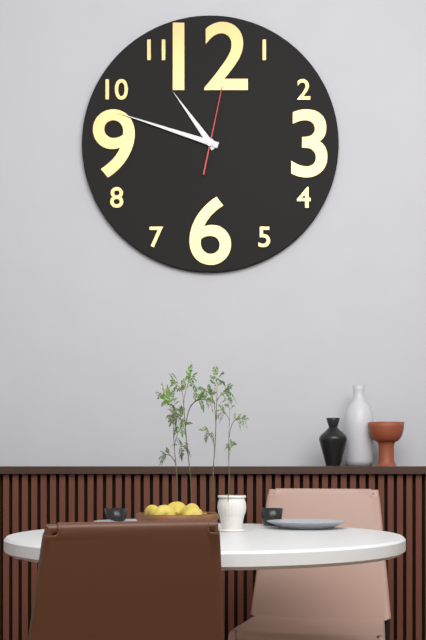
h=10 m=48 s=2
